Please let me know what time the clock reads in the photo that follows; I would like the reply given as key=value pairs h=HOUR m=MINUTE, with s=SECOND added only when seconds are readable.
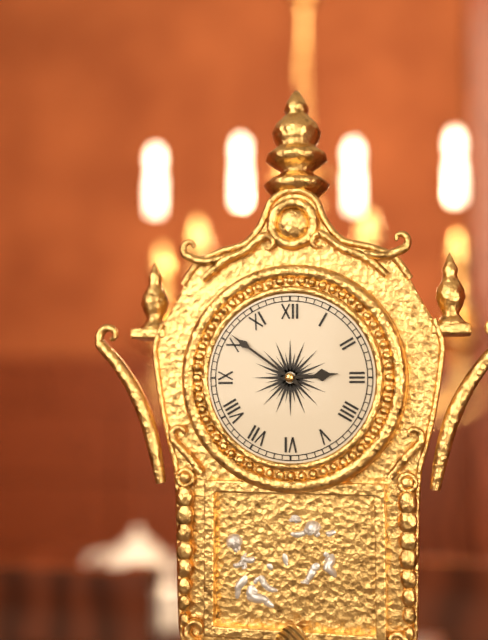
h=2 m=51
